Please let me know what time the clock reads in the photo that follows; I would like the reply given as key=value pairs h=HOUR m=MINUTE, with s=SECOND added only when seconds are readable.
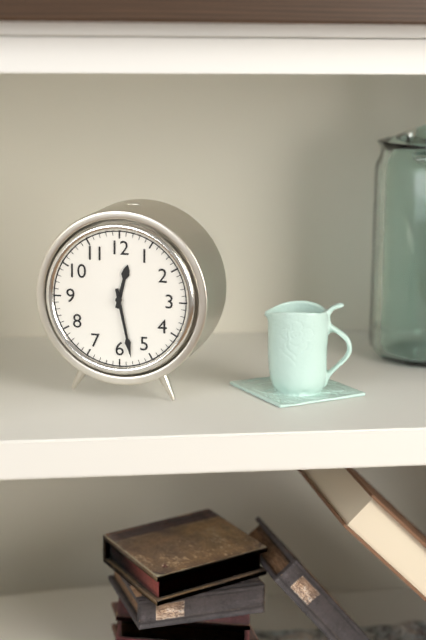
h=12 m=28
